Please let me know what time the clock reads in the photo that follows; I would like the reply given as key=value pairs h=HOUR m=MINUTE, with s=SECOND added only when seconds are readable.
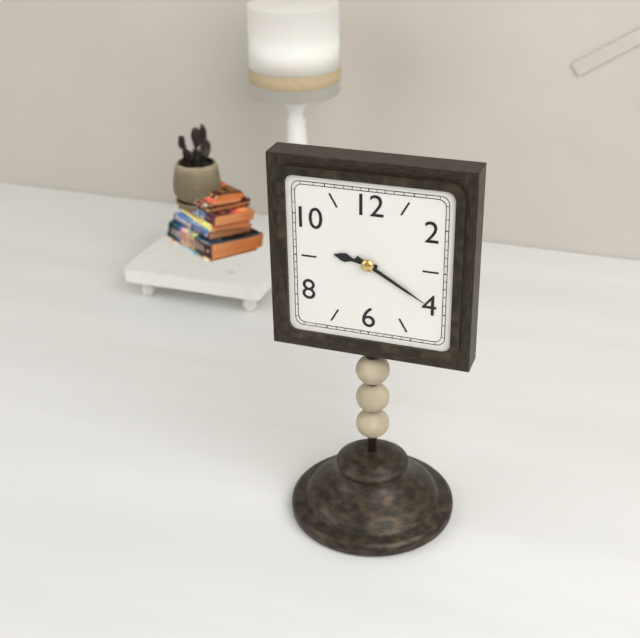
h=9 m=20
